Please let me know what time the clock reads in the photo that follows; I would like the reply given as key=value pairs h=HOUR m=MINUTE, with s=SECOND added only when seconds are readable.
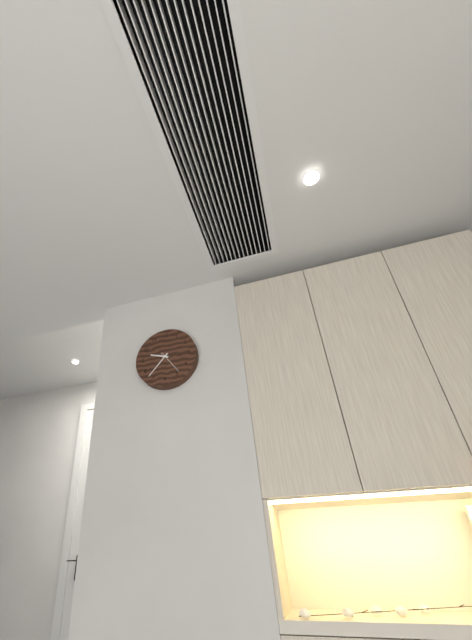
h=9 m=37
